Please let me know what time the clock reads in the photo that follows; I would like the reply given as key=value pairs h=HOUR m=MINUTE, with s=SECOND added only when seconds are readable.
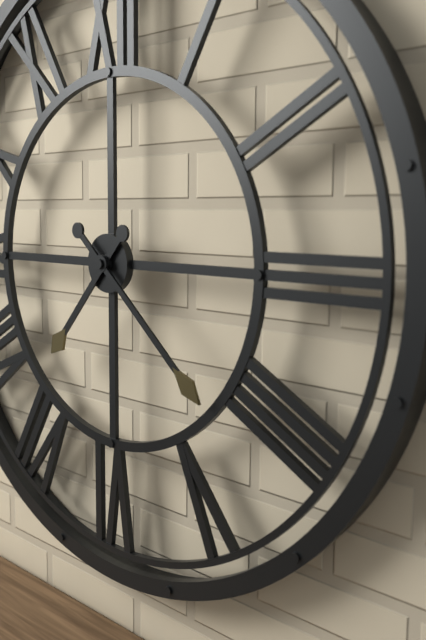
h=7 m=22
